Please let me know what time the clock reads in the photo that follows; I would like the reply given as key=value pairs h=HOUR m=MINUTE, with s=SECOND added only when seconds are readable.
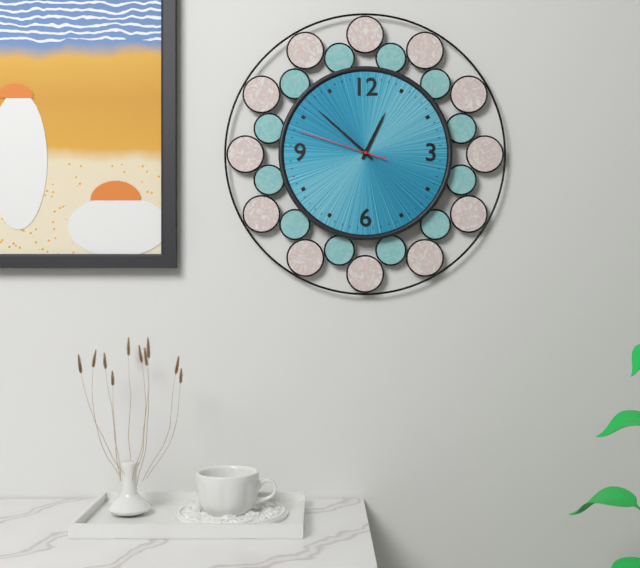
h=12 m=52 s=48
